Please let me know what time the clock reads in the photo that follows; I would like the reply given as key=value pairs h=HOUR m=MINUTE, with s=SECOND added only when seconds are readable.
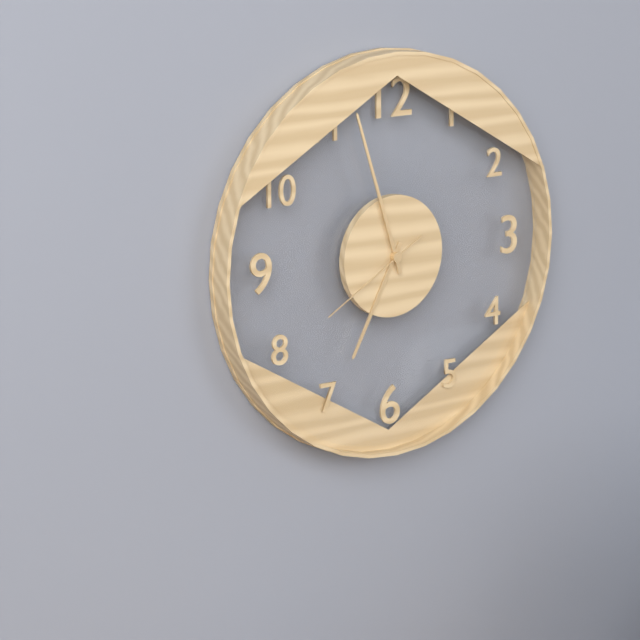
h=6 m=57 s=40
